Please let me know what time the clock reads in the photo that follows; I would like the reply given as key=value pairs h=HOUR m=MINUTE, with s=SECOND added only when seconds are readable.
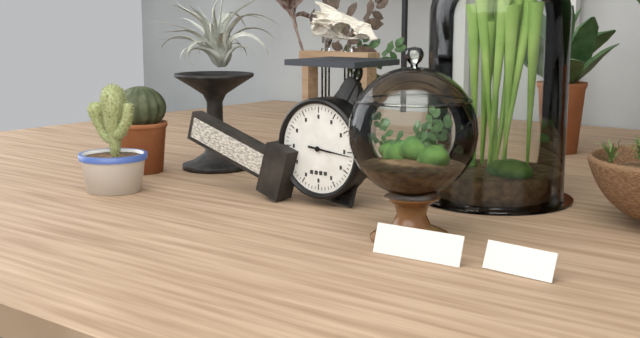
h=3 m=16
